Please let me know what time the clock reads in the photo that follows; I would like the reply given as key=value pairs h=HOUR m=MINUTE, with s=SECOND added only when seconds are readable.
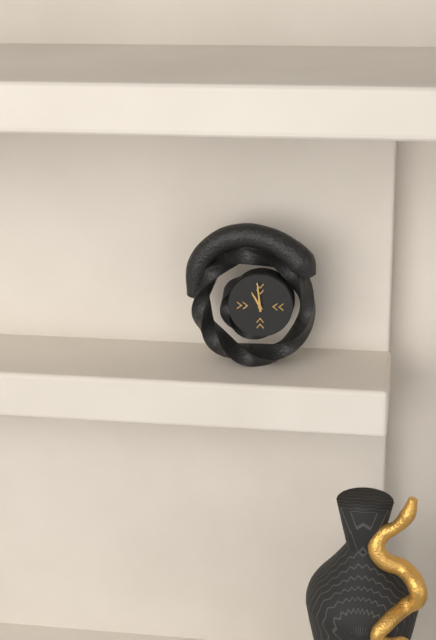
h=10 m=59
